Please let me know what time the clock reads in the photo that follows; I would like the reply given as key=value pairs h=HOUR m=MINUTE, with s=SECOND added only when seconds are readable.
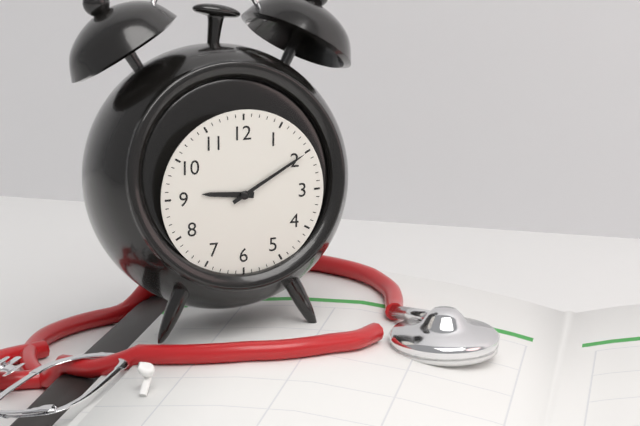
h=9 m=10
